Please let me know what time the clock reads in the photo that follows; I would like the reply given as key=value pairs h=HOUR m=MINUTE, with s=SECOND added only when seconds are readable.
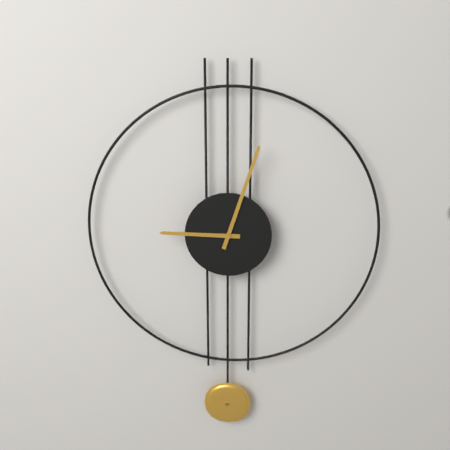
h=9 m=3
